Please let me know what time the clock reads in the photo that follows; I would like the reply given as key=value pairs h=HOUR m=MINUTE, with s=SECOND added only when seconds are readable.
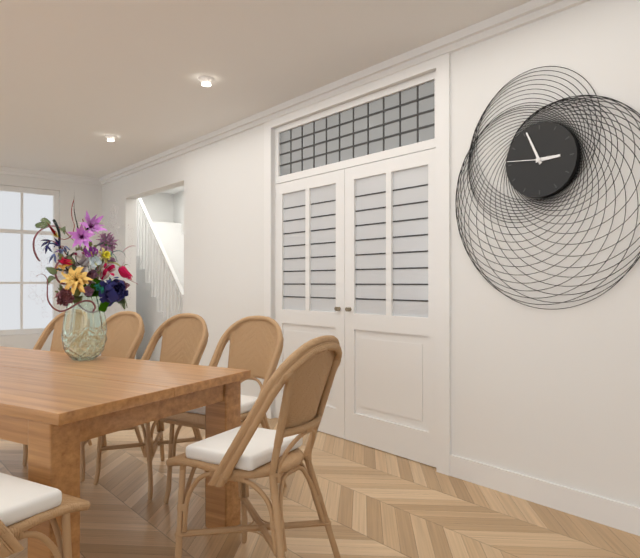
h=2 m=56
